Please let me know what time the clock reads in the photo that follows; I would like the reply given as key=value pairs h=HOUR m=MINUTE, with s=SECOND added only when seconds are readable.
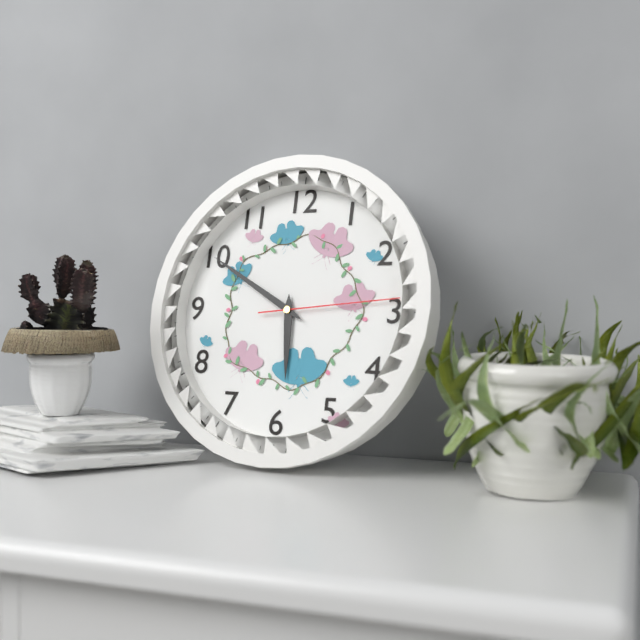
h=5 m=50 s=14
